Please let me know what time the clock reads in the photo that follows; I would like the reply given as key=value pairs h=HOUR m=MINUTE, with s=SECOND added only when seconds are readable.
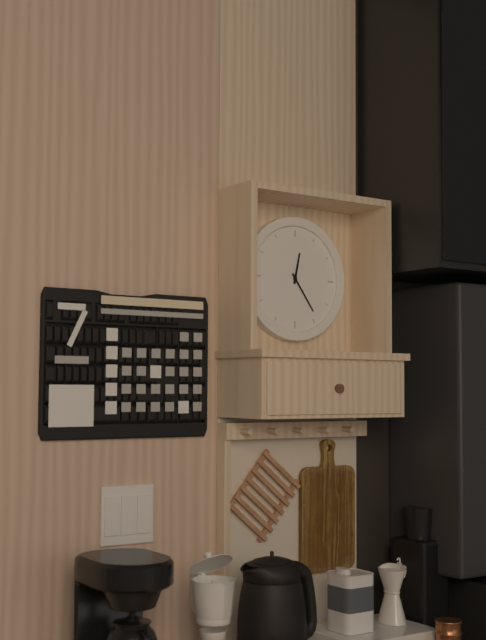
h=12 m=24
